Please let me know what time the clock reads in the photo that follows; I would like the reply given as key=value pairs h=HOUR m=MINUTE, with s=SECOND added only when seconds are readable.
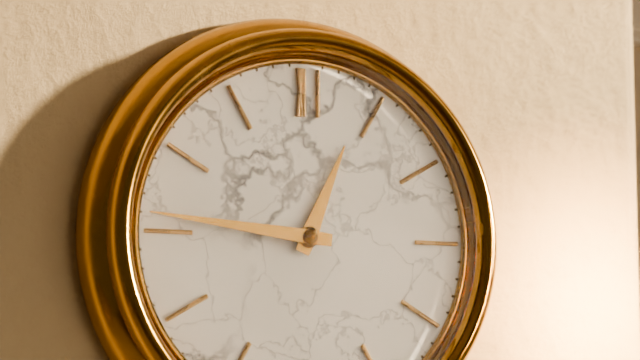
h=12 m=46
